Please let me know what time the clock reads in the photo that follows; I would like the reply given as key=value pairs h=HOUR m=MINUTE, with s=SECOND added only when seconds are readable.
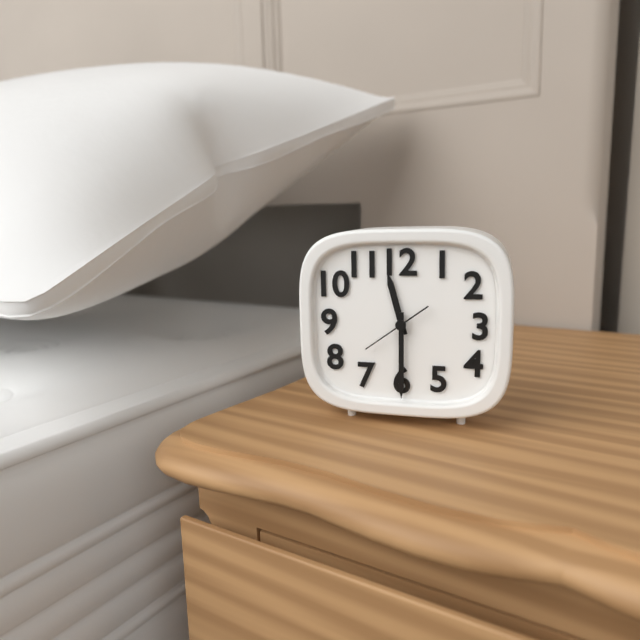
h=11 m=30 s=39
